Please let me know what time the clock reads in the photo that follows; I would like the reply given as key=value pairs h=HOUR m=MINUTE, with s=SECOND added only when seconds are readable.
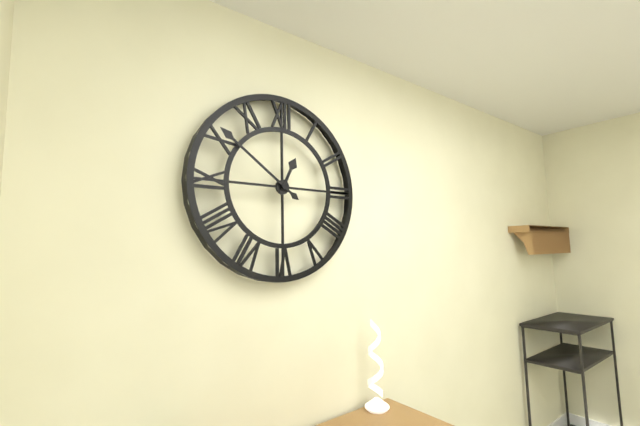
h=12 m=51
